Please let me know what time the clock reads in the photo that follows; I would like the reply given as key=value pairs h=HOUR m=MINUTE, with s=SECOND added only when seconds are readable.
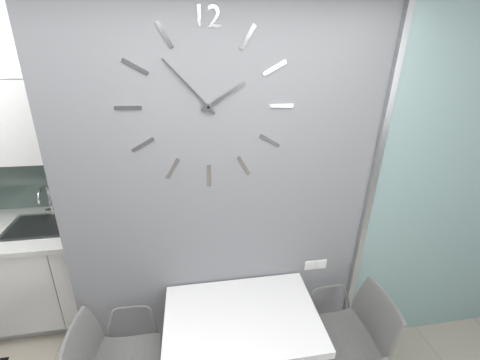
h=1 m=53
